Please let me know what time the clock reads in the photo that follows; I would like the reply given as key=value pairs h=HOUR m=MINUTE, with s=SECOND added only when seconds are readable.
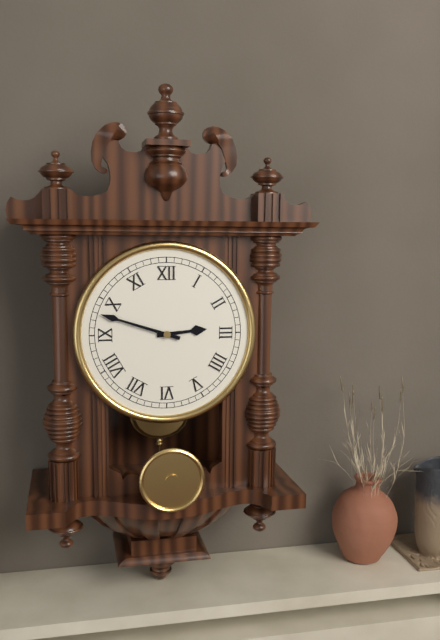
h=2 m=48
